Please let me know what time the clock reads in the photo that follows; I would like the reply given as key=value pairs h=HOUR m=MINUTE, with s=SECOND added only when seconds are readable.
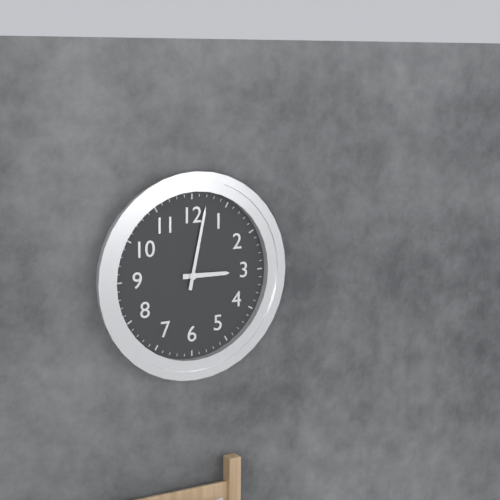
h=3 m=2
